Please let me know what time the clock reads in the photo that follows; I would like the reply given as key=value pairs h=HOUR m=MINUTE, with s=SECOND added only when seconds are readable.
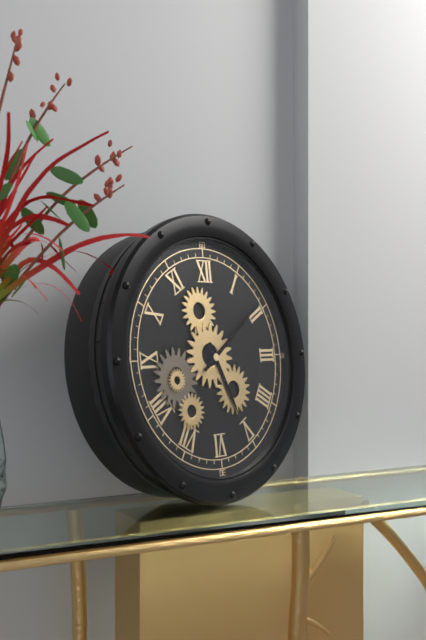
h=5 m=9
